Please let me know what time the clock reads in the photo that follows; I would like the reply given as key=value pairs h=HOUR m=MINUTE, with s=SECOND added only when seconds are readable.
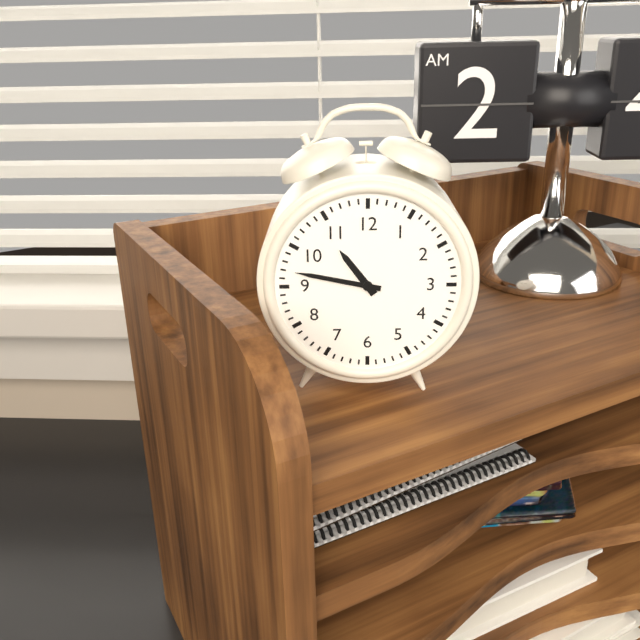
h=10 m=47
